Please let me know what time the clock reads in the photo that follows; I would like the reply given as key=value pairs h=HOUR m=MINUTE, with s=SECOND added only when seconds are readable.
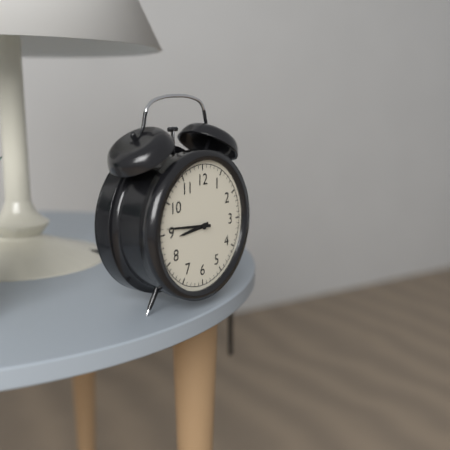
h=8 m=46
